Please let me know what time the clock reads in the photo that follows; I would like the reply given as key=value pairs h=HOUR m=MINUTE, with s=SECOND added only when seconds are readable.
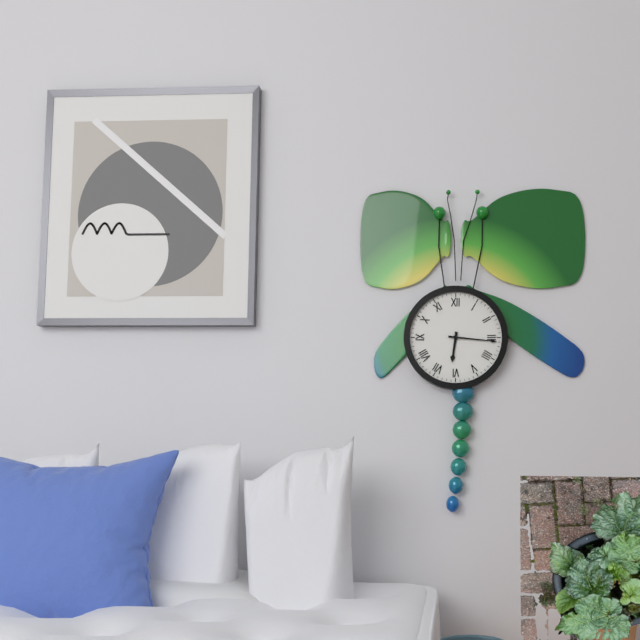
h=6 m=16
